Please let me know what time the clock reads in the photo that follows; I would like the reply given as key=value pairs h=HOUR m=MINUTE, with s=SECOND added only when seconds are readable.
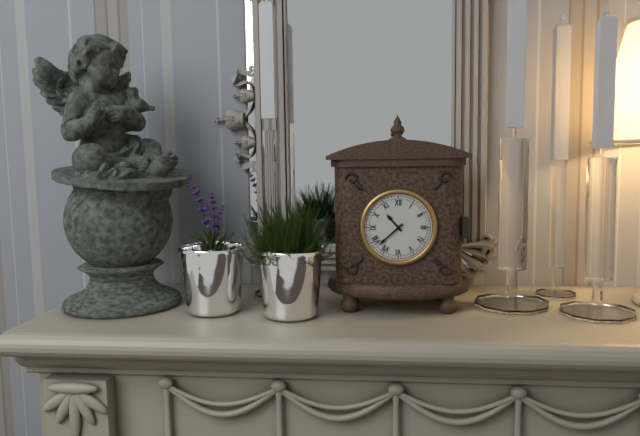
h=10 m=38
